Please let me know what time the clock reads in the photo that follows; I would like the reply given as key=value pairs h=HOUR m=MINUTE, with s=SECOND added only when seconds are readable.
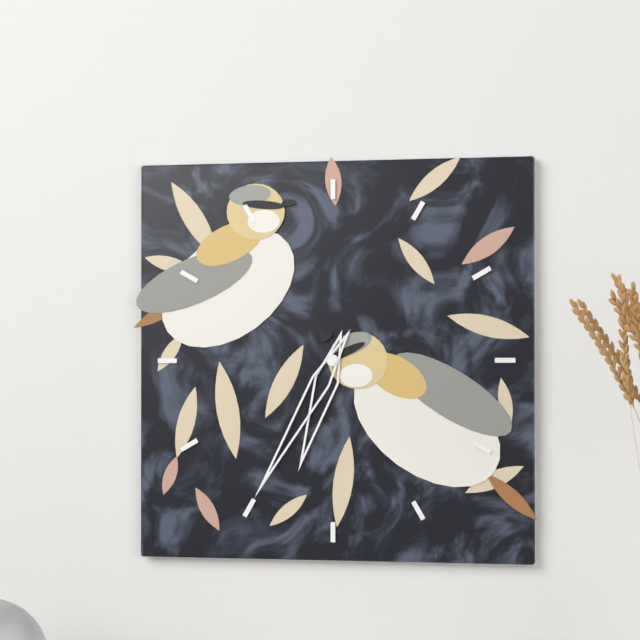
h=6 m=35
